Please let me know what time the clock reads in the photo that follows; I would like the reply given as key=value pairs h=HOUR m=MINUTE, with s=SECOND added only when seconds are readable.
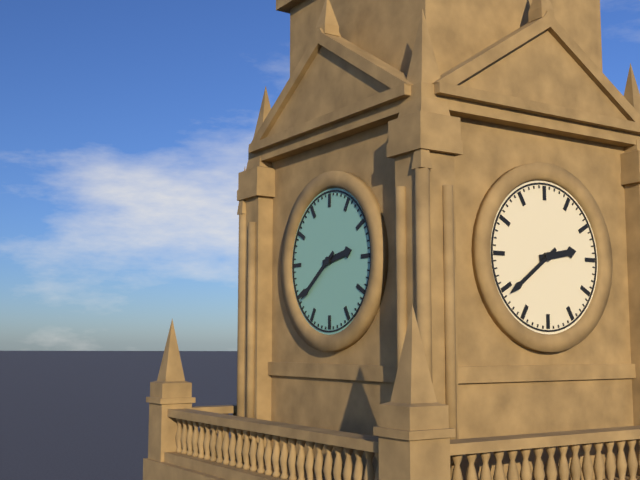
h=2 m=39
